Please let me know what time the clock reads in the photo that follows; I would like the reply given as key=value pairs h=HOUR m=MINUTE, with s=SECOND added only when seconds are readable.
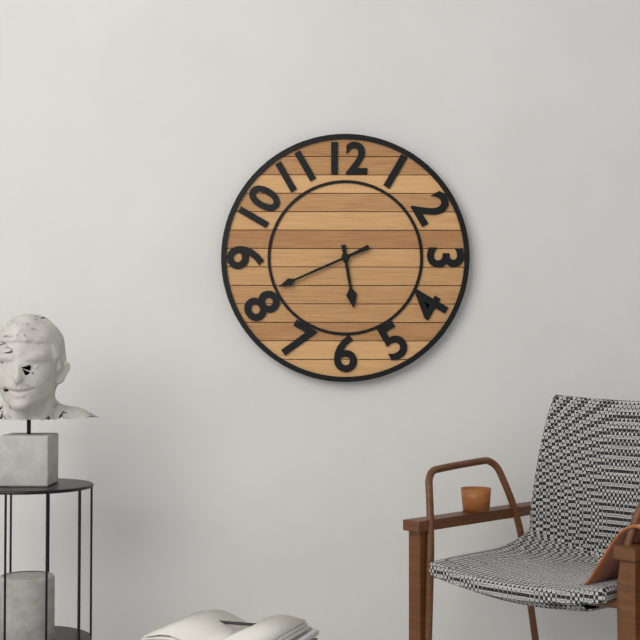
h=5 m=41
